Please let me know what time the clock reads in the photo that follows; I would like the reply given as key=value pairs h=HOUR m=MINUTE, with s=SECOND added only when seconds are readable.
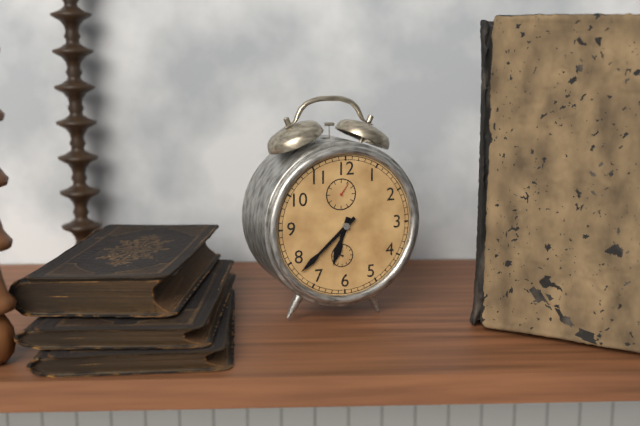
h=6 m=38
